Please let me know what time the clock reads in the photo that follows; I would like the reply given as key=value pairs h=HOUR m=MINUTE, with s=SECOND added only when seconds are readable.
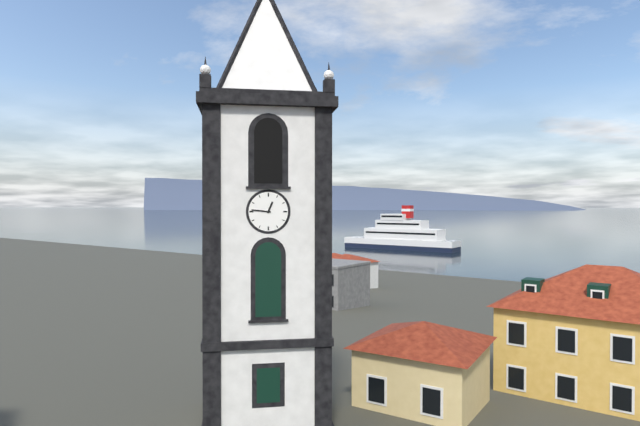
h=12 m=46
